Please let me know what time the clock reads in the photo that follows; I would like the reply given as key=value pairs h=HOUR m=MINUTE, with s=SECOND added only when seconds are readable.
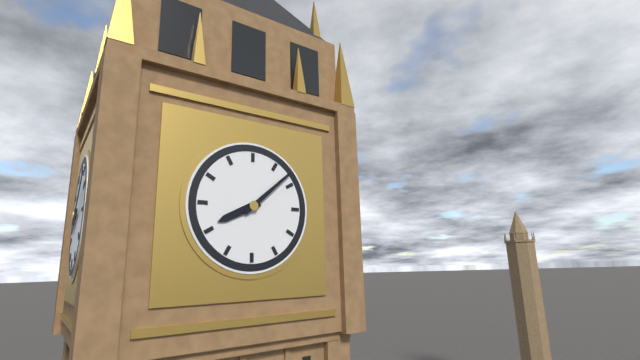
h=8 m=8
